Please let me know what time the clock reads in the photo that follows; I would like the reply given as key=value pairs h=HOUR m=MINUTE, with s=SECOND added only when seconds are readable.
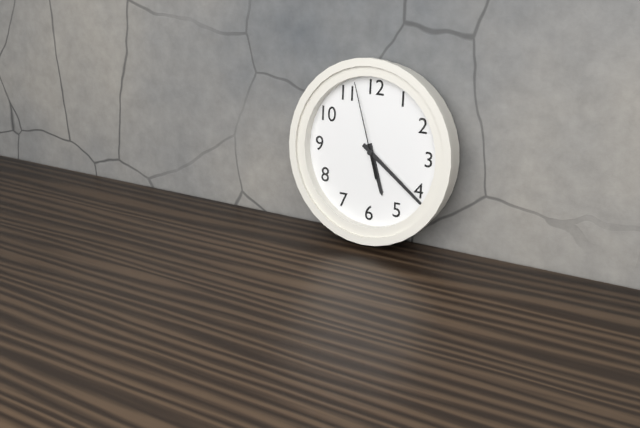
h=5 m=21 s=57
